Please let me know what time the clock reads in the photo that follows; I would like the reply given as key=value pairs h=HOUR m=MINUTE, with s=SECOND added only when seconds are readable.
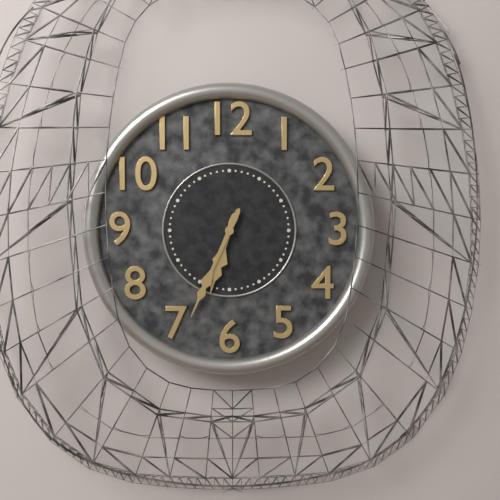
h=6 m=34
